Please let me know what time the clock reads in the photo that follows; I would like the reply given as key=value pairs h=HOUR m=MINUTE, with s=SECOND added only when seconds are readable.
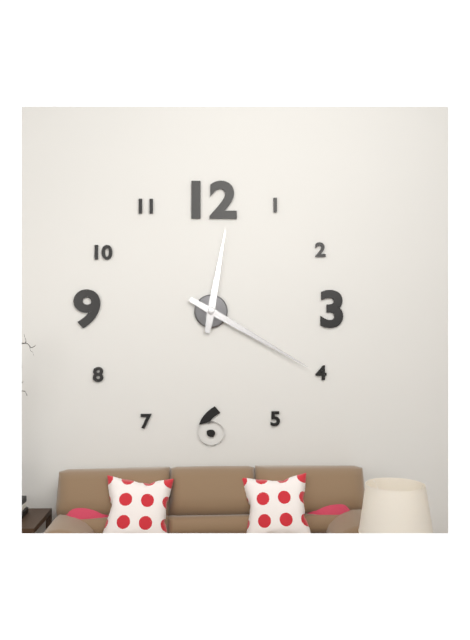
h=12 m=20
